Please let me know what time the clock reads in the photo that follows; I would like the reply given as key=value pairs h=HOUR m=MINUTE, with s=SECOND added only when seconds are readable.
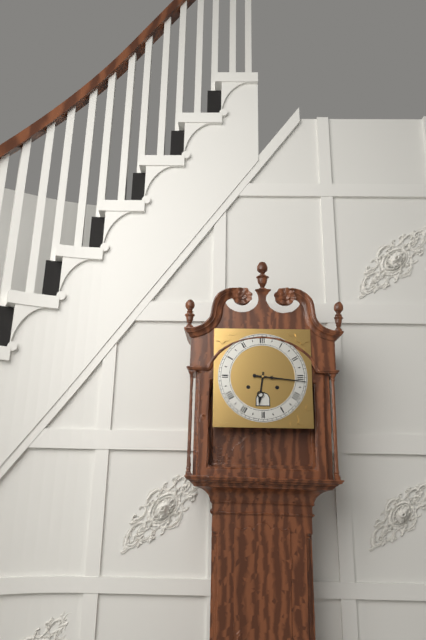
h=6 m=16
